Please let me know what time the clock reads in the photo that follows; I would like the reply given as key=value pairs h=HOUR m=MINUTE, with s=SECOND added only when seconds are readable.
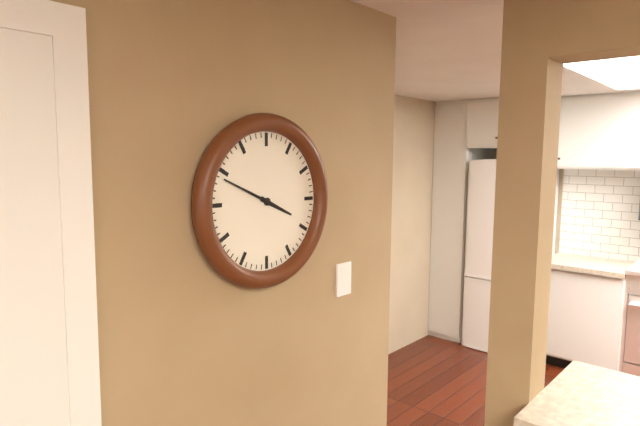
h=3 m=49
